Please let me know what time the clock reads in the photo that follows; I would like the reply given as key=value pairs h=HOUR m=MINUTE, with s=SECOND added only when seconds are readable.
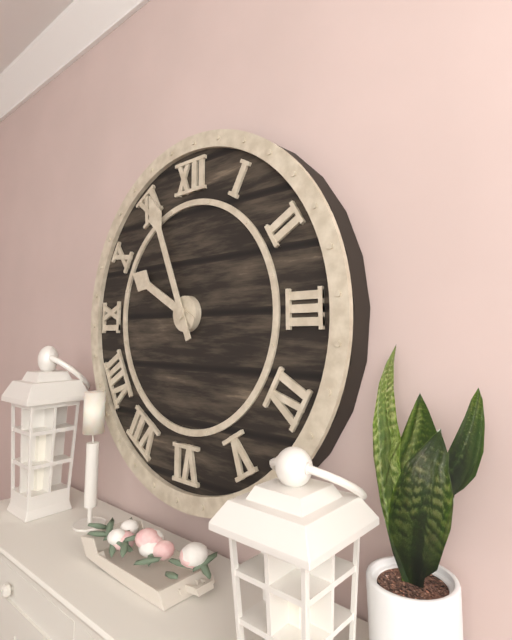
h=9 m=56
